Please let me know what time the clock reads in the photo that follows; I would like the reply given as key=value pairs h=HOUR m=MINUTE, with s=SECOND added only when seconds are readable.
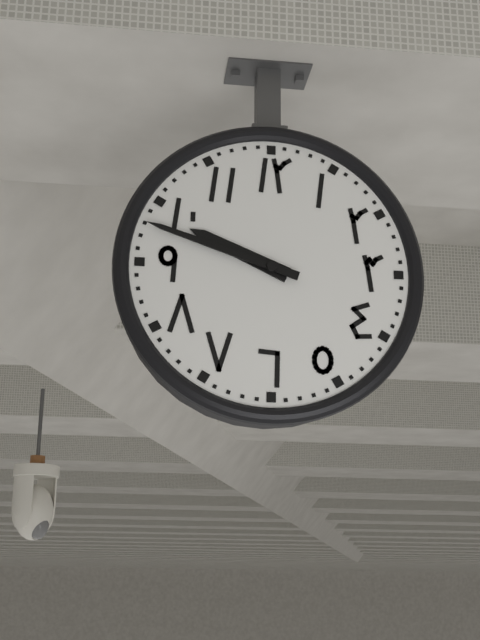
h=9 m=48
